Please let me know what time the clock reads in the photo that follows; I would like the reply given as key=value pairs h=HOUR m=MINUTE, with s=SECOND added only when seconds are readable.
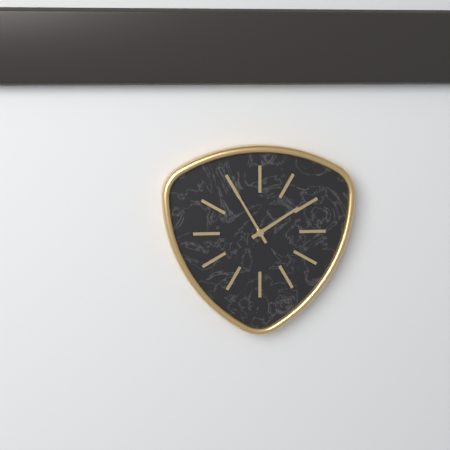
h=1 m=55
